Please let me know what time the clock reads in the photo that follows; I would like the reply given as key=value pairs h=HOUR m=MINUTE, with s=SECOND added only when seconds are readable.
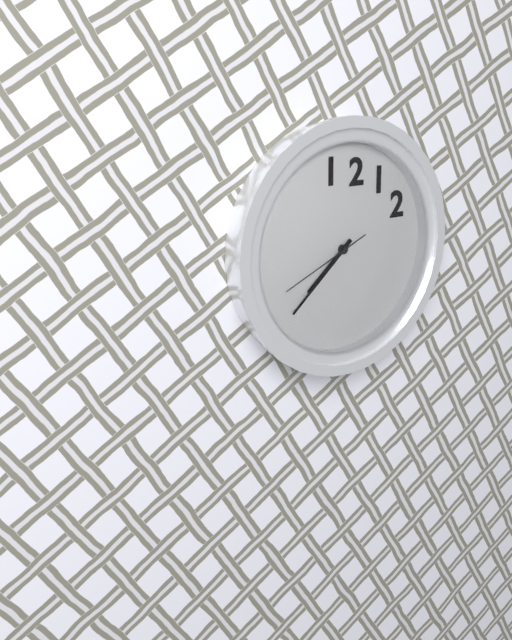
h=7 m=38 s=41
